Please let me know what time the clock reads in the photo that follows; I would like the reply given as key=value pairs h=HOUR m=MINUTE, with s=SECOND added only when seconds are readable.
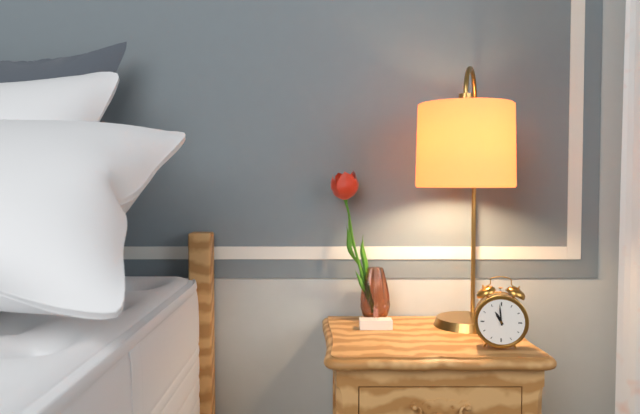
h=10 m=59
